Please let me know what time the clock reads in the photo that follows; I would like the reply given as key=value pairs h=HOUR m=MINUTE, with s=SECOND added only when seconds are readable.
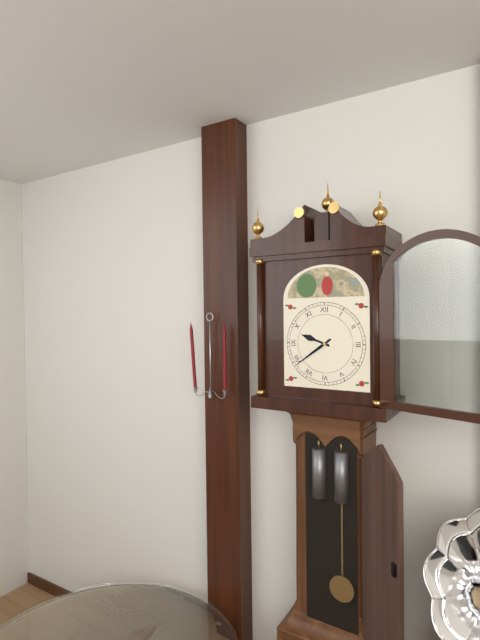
h=9 m=39
